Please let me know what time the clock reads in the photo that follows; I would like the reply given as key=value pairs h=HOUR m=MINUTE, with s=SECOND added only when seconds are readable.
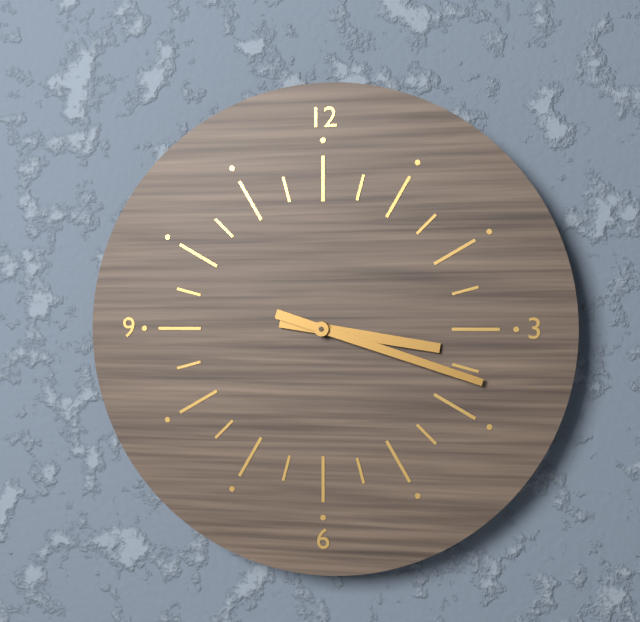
h=3 m=18
